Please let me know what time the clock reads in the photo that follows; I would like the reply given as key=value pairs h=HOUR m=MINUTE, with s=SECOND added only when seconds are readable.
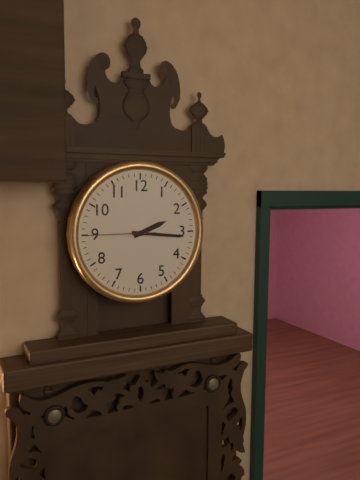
h=2 m=16 s=45
